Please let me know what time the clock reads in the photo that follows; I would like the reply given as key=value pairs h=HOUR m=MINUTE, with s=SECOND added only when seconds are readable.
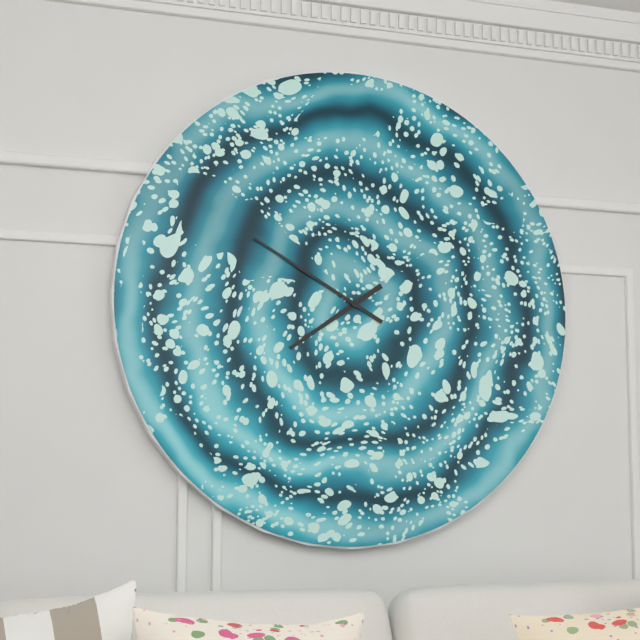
h=7 m=50
